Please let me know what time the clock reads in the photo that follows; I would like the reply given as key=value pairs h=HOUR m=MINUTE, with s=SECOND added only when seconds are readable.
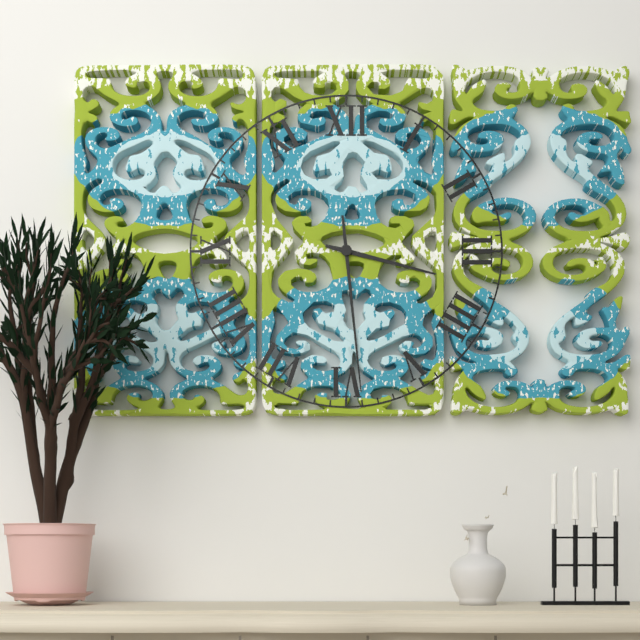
h=3 m=29
